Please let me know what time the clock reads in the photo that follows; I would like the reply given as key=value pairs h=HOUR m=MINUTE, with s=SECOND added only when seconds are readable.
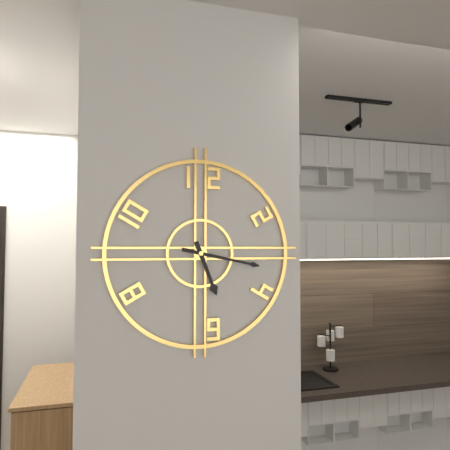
h=5 m=17
